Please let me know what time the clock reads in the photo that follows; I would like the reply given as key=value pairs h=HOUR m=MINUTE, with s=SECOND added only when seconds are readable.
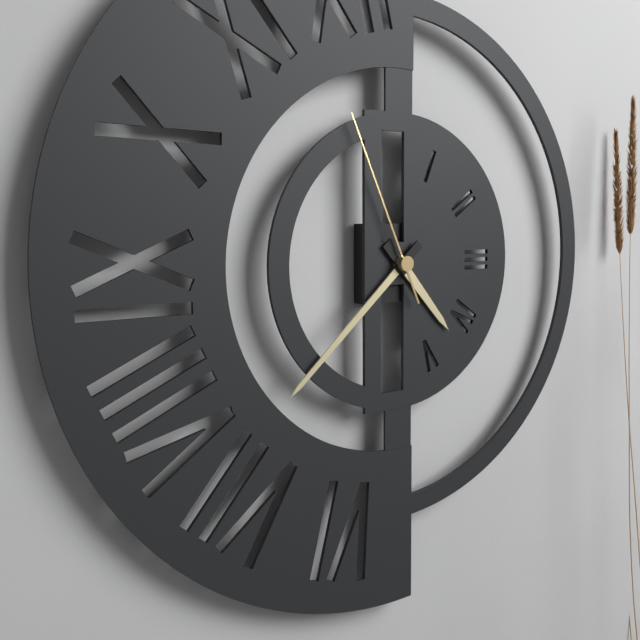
h=4 m=38 s=56
